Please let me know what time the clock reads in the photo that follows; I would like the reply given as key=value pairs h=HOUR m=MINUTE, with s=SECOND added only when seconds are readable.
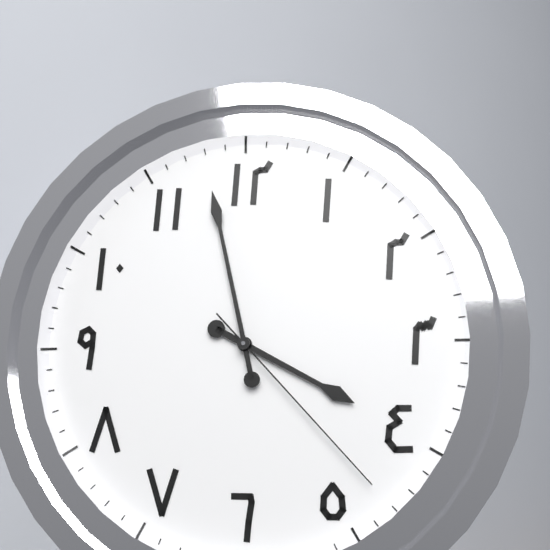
h=3 m=58 s=23
